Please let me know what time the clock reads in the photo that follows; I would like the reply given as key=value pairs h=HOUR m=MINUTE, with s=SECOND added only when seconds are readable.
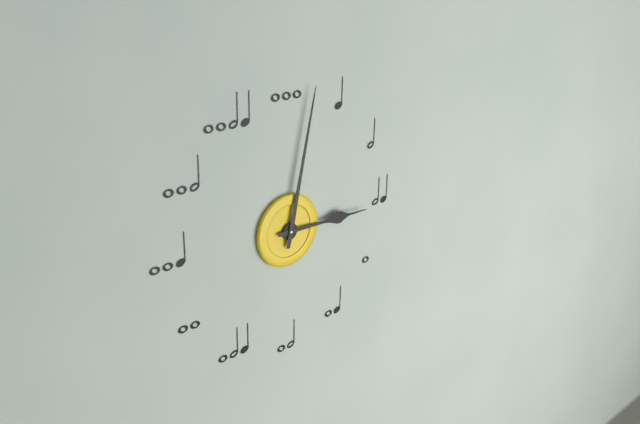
h=3 m=2
